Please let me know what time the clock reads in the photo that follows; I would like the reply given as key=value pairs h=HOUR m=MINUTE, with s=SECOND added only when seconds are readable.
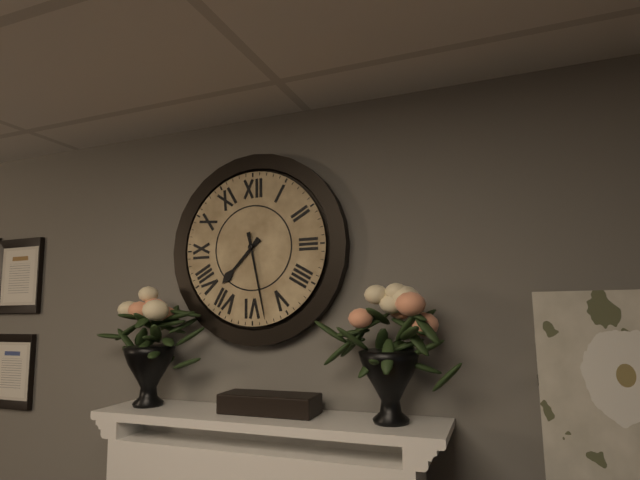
h=7 m=28
